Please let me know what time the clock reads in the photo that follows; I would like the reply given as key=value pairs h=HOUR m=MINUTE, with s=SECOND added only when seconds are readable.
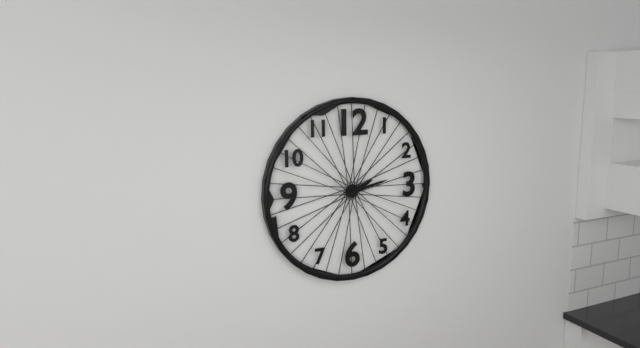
h=2 m=13
